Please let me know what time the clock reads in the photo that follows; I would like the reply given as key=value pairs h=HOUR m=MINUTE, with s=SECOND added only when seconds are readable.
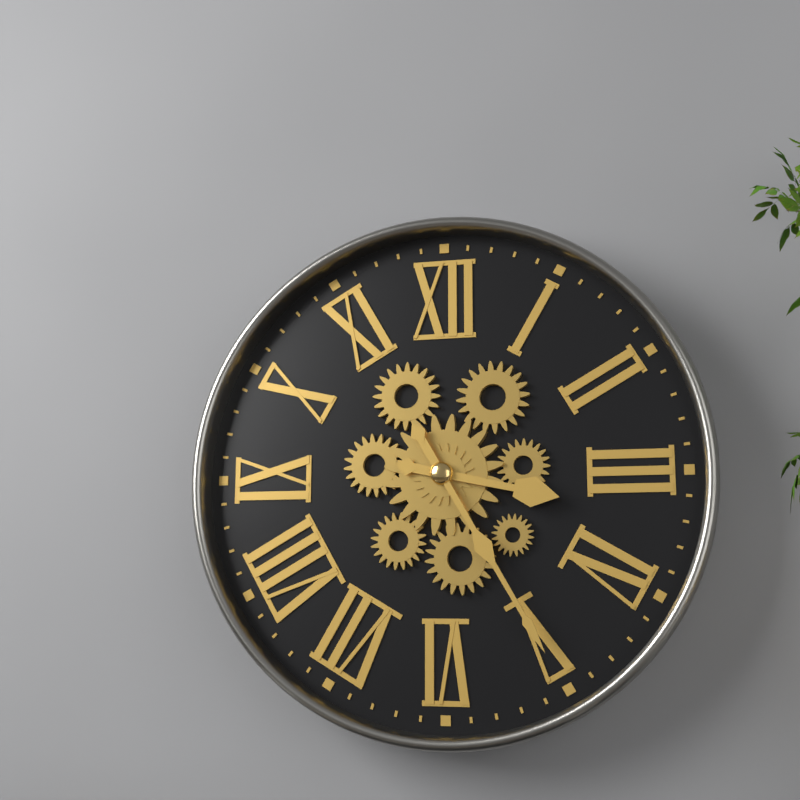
h=3 m=25
